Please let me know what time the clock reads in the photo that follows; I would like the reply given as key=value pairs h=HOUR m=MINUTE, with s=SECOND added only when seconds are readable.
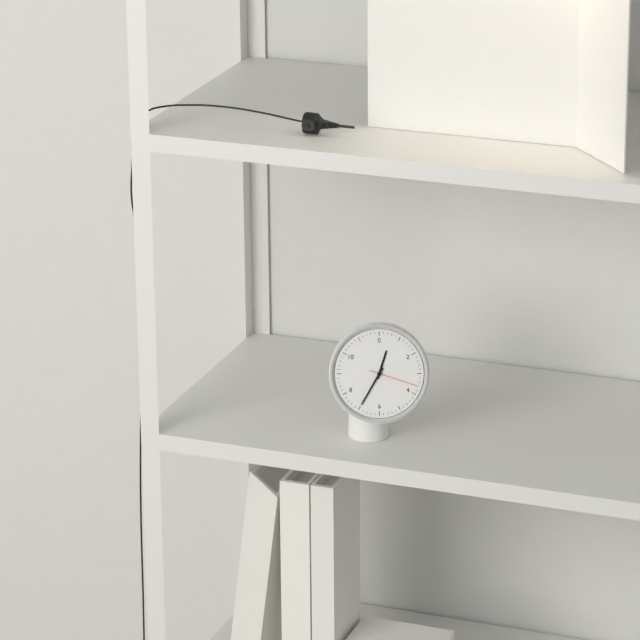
h=12 m=35
